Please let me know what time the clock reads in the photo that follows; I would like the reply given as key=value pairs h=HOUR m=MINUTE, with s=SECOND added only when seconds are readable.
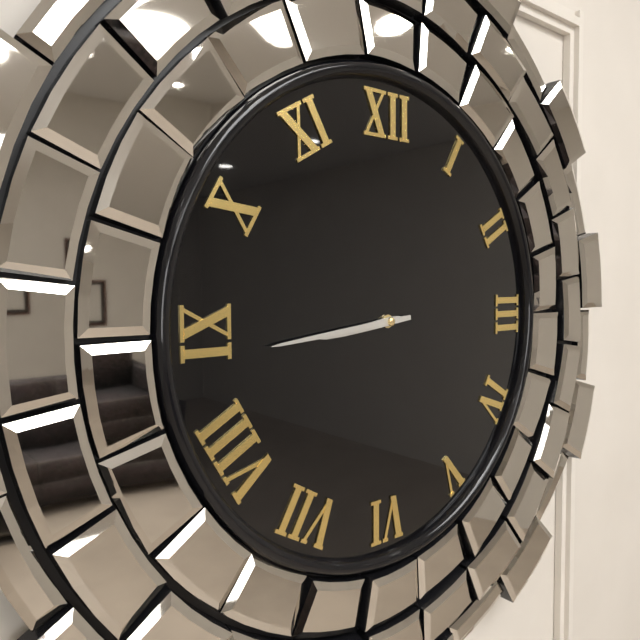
h=8 m=44
